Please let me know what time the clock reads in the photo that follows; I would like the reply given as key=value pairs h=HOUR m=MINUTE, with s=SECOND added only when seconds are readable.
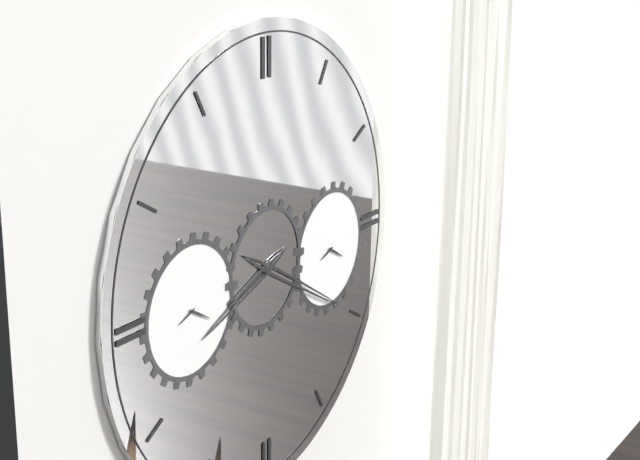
h=8 m=20
